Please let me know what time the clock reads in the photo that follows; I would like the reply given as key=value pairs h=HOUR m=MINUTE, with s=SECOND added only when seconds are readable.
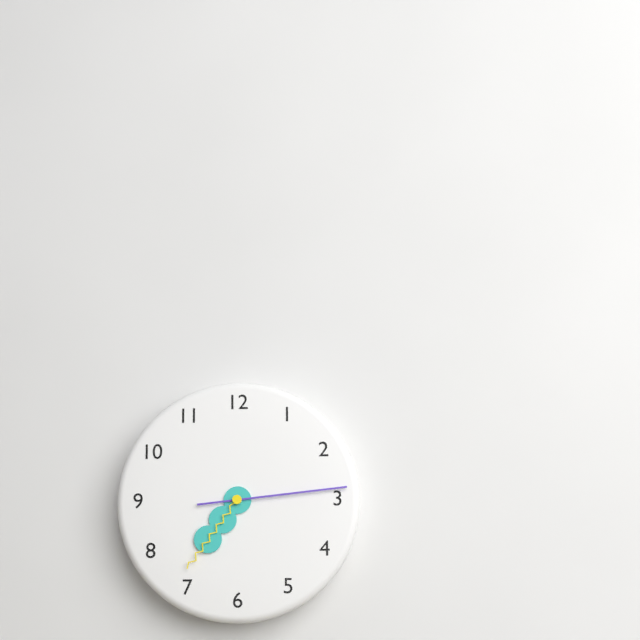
h=7 m=14 s=36
